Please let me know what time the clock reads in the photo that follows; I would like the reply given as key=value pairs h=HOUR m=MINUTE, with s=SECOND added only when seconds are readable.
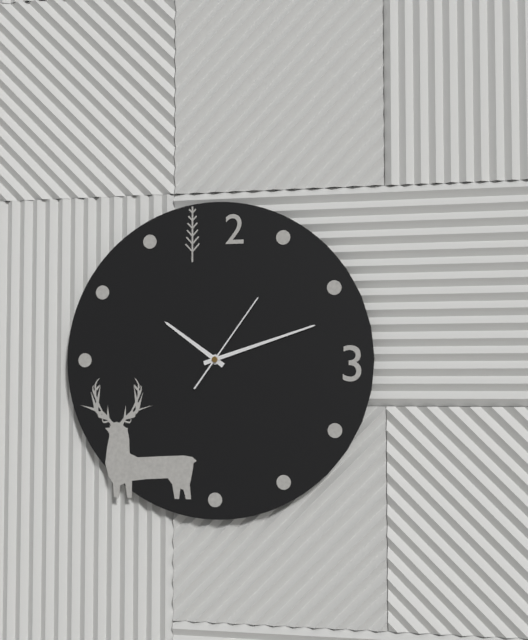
h=10 m=12 s=6
